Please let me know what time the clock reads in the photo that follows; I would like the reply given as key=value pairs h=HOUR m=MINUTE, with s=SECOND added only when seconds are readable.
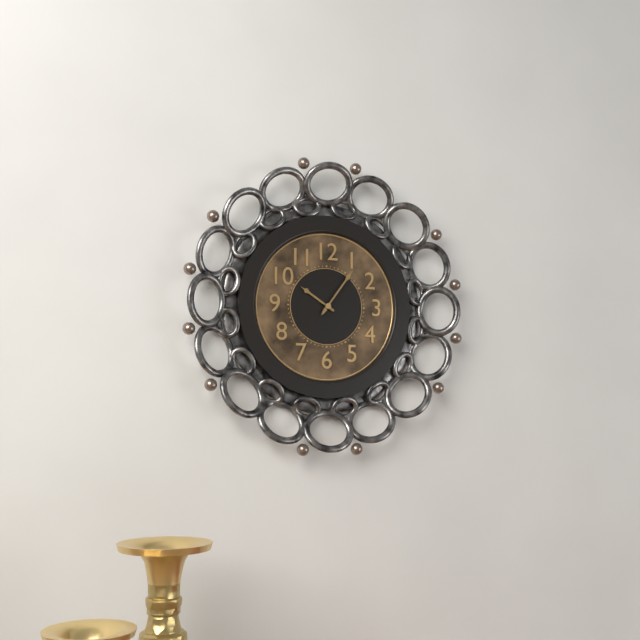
h=10 m=6
